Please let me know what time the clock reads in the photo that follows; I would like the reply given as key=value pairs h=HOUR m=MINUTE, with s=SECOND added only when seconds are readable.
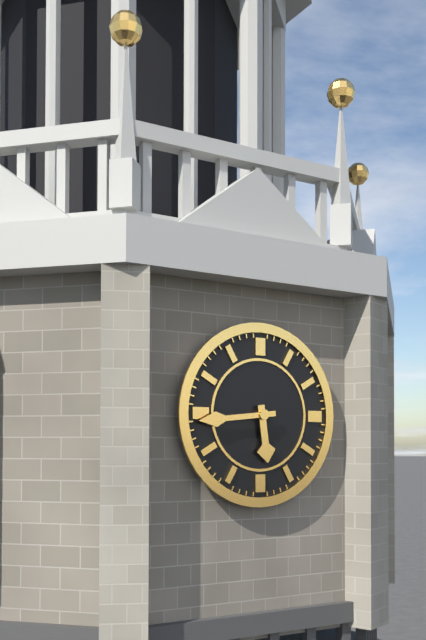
h=5 m=44
